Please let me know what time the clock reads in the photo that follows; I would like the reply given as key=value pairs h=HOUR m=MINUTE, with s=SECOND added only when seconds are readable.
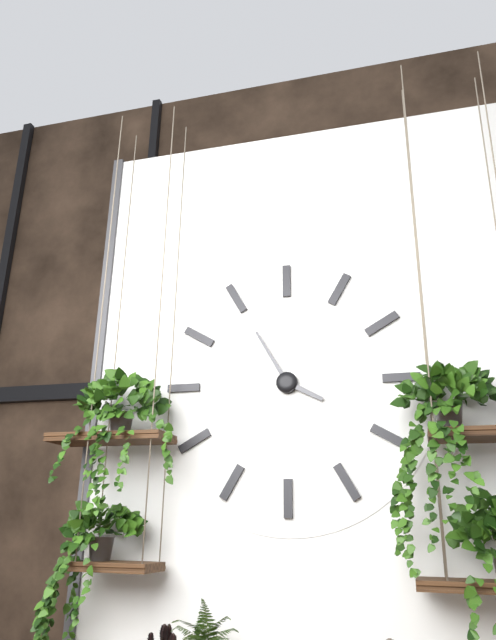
h=3 m=55
